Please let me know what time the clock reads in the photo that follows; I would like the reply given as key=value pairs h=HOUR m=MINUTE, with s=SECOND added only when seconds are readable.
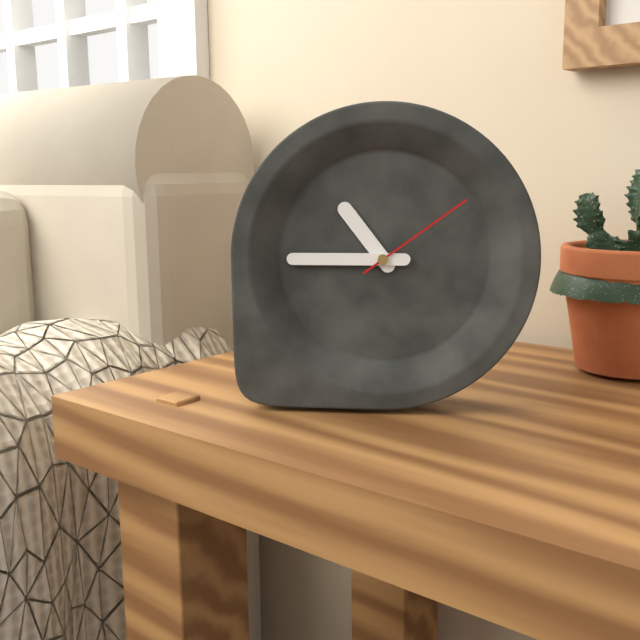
h=10 m=45 s=9
